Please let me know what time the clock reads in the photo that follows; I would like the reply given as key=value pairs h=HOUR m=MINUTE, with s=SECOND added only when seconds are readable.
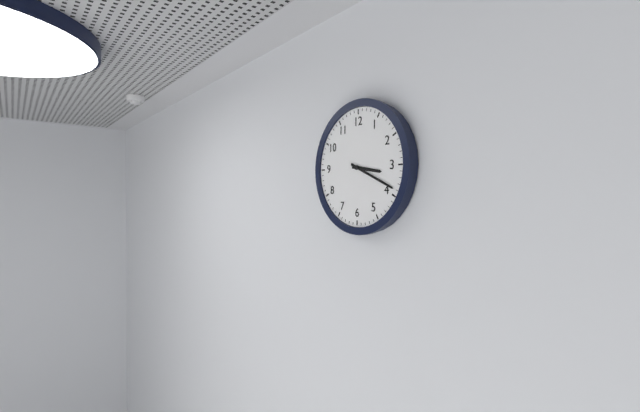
h=3 m=19
